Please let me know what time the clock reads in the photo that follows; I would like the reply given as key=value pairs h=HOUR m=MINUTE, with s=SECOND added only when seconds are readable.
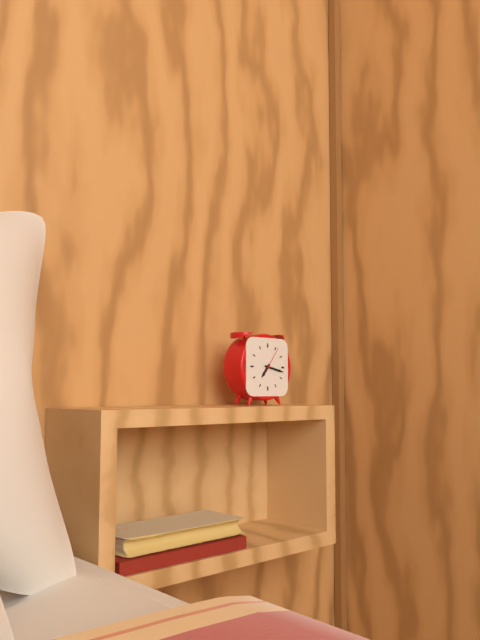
h=7 m=17
